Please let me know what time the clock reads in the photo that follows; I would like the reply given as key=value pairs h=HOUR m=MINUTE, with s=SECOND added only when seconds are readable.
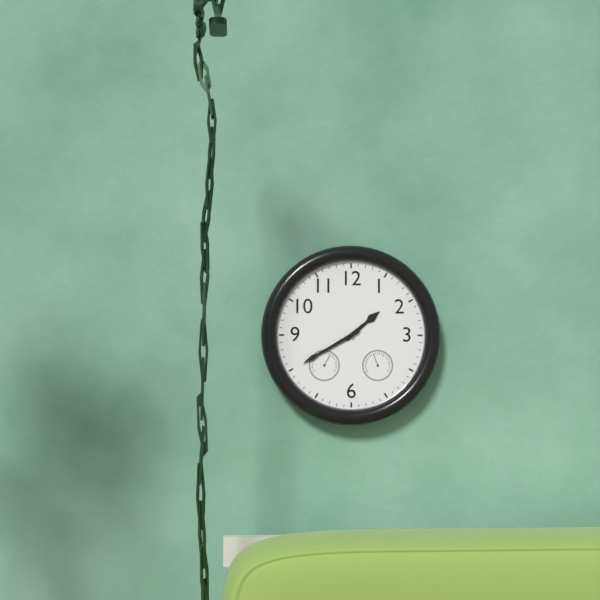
h=1 m=40
